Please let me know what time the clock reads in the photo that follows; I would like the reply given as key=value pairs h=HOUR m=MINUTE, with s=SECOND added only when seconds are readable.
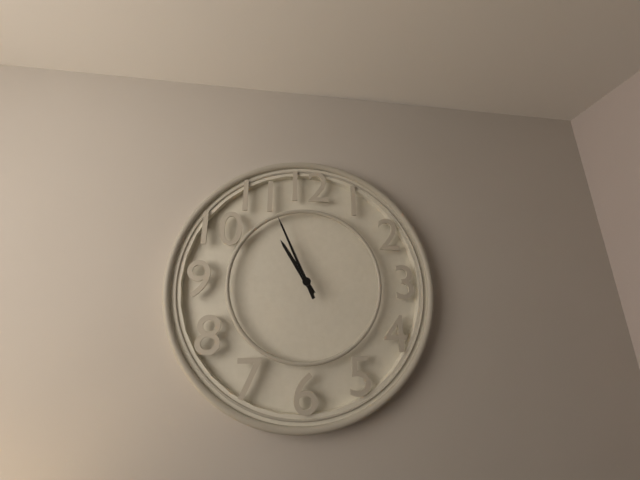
h=10 m=56
